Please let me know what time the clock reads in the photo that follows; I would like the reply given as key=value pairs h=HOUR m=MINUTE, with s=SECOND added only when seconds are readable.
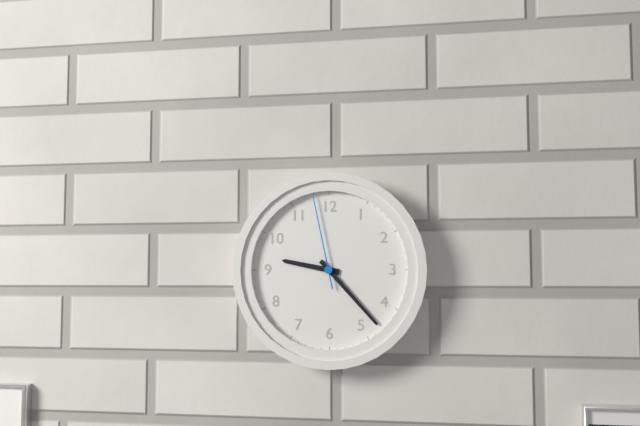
h=9 m=23 s=58
